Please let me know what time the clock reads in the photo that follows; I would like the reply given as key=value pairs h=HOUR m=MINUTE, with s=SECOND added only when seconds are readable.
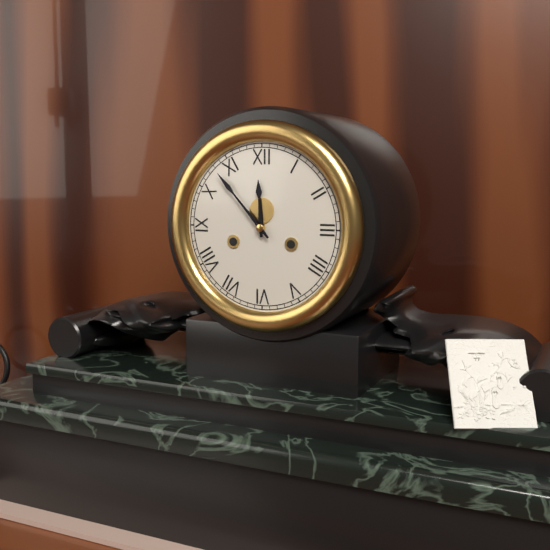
h=11 m=53
